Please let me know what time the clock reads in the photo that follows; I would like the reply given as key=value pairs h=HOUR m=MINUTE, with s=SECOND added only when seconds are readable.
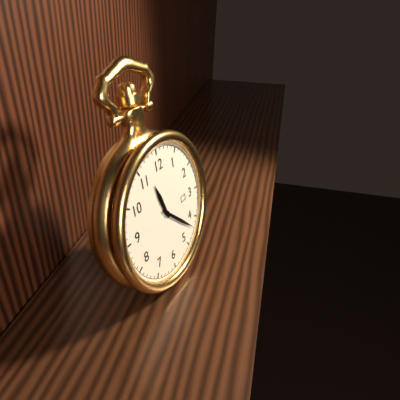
h=11 m=22
